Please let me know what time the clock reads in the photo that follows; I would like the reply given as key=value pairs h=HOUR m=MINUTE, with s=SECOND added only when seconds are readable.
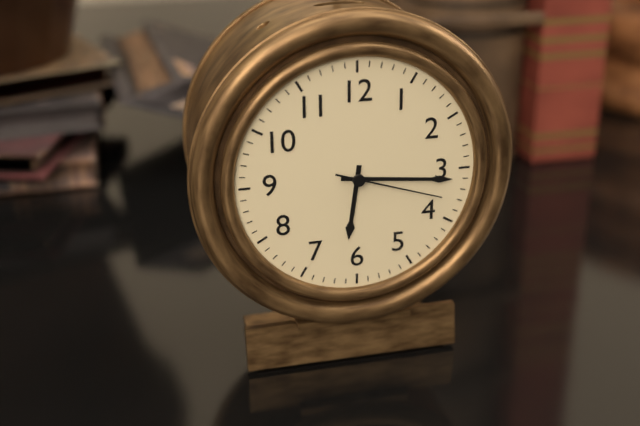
h=6 m=16 s=18
